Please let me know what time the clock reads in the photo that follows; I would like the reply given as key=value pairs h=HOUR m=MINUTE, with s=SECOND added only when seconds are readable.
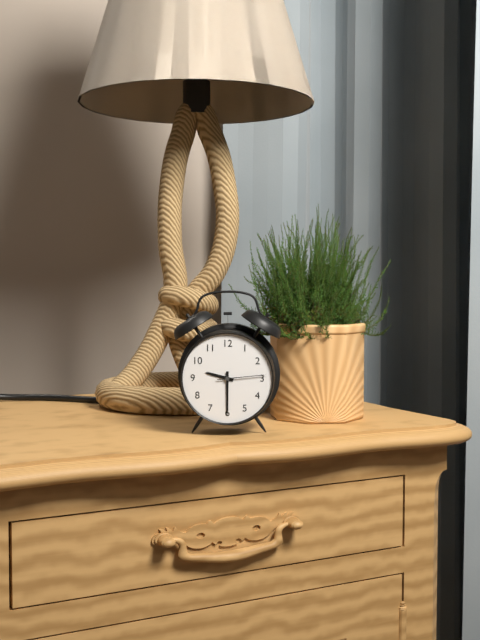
h=9 m=30
